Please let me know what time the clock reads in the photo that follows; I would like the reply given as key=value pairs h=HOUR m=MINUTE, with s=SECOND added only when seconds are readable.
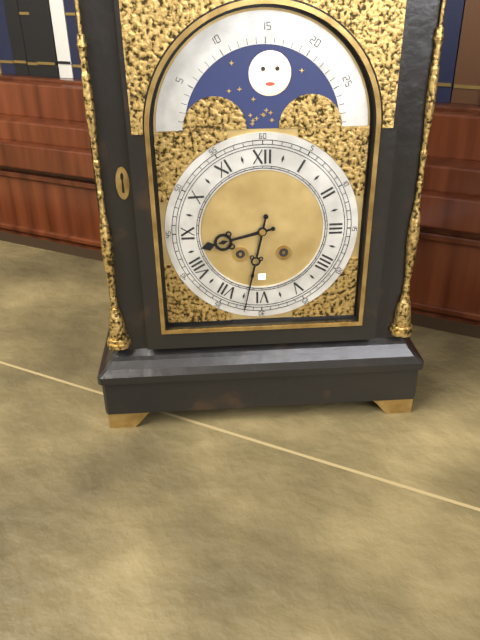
h=8 m=32
